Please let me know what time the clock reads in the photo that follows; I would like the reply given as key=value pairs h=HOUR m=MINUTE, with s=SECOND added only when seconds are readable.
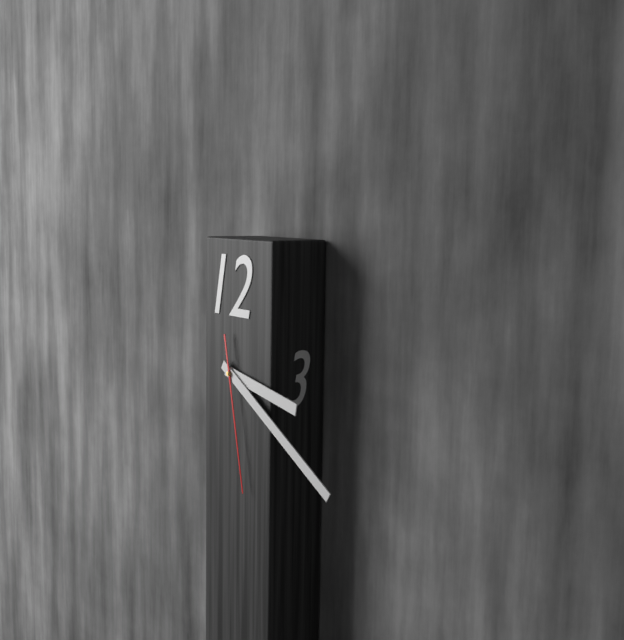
h=3 m=20 s=28
